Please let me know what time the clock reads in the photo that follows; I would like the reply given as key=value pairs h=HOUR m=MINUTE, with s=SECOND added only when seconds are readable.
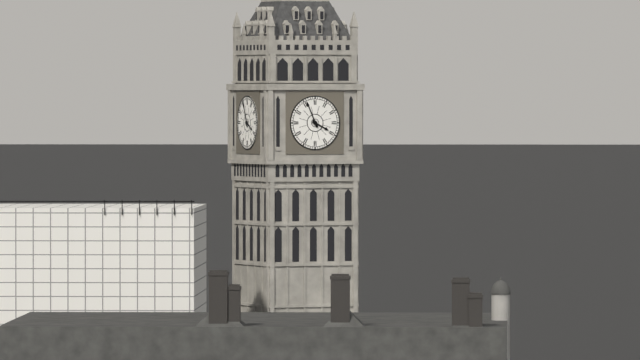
h=3 m=56
